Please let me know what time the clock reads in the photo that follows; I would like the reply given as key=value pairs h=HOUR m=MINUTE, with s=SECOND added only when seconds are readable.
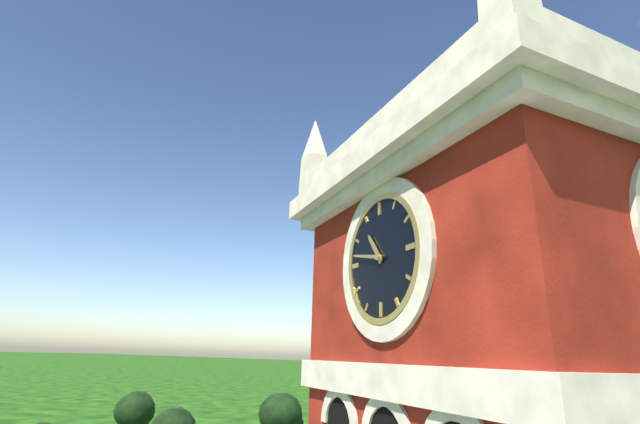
h=10 m=47
